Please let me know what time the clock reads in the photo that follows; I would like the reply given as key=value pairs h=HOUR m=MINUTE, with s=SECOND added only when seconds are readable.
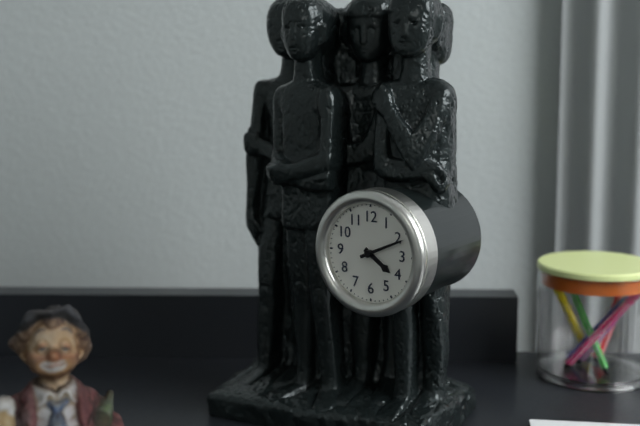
h=4 m=11
